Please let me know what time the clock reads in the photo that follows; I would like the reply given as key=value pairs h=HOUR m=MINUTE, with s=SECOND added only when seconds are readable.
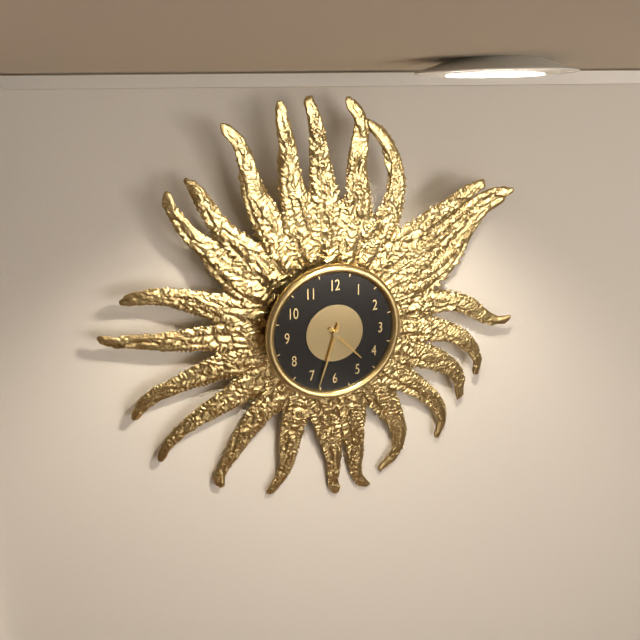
h=4 m=33
